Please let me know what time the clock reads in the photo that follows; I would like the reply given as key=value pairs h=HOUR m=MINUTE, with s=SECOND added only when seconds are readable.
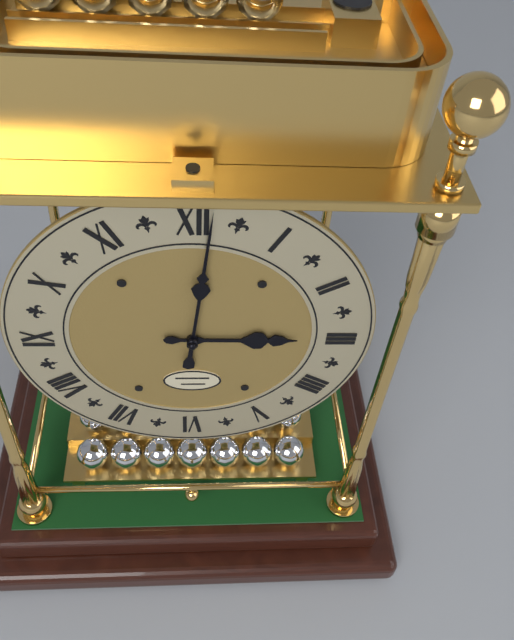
h=3 m=1
